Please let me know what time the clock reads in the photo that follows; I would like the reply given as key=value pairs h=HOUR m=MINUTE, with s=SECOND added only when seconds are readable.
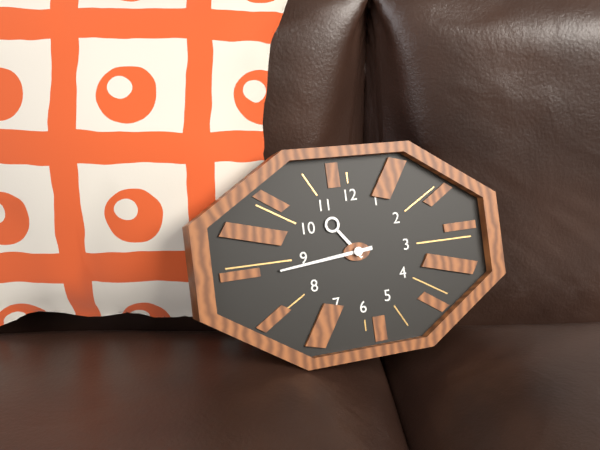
h=10 m=44
